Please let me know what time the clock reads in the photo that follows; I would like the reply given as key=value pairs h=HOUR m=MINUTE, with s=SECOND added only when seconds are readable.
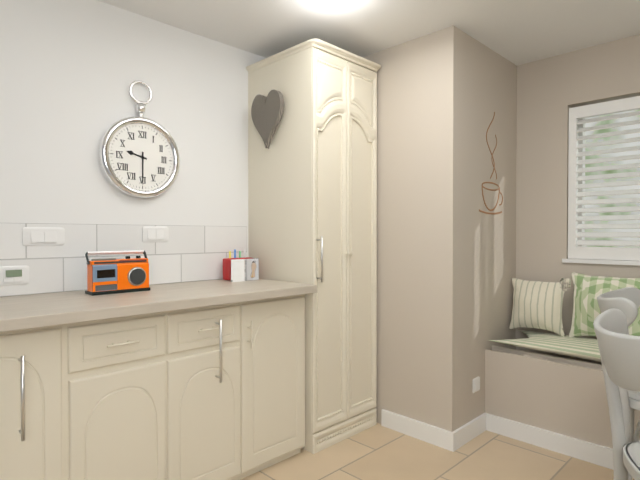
h=9 m=30
